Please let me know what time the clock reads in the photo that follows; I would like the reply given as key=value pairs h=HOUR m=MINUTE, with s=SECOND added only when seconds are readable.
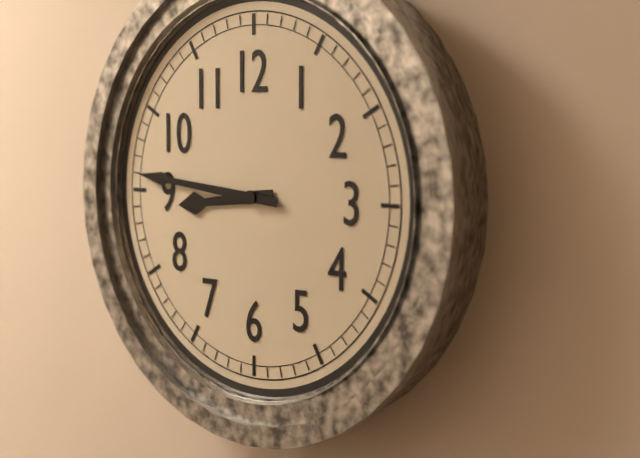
h=8 m=46
